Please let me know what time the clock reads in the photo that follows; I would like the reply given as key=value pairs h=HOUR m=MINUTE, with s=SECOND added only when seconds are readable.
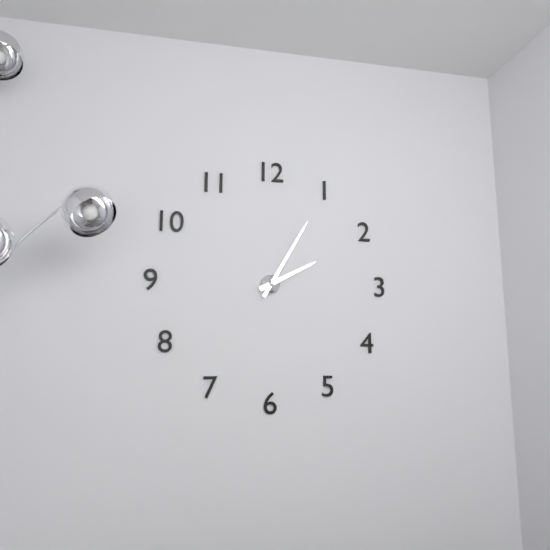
h=2 m=5
